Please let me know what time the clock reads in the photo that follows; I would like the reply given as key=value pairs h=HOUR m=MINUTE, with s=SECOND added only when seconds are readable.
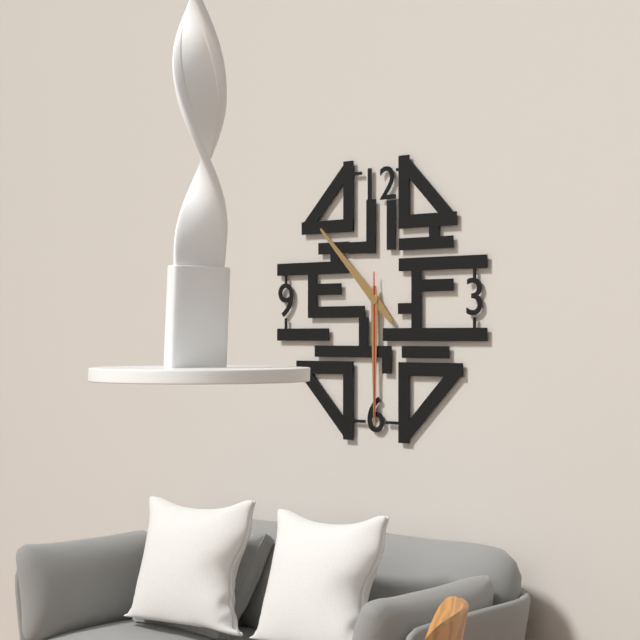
h=10 m=30 s=30
